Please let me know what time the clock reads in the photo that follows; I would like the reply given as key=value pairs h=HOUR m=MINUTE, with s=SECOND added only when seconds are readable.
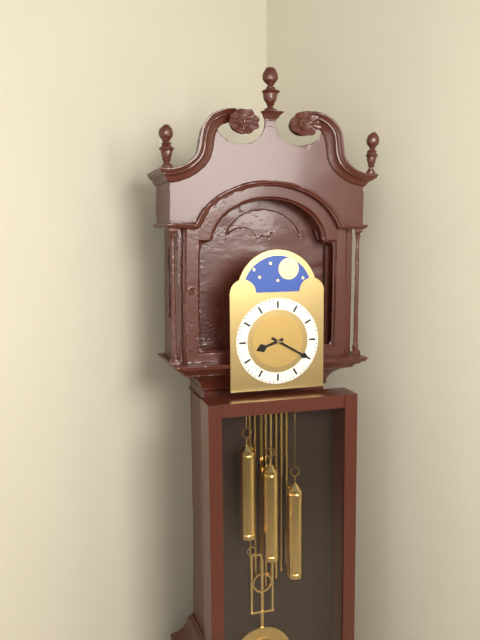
h=8 m=20
